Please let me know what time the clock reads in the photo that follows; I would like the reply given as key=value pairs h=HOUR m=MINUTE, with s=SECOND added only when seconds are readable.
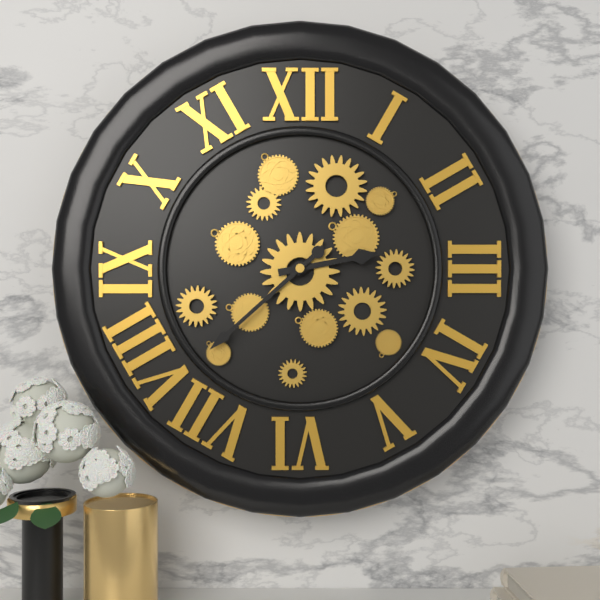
h=2 m=38
